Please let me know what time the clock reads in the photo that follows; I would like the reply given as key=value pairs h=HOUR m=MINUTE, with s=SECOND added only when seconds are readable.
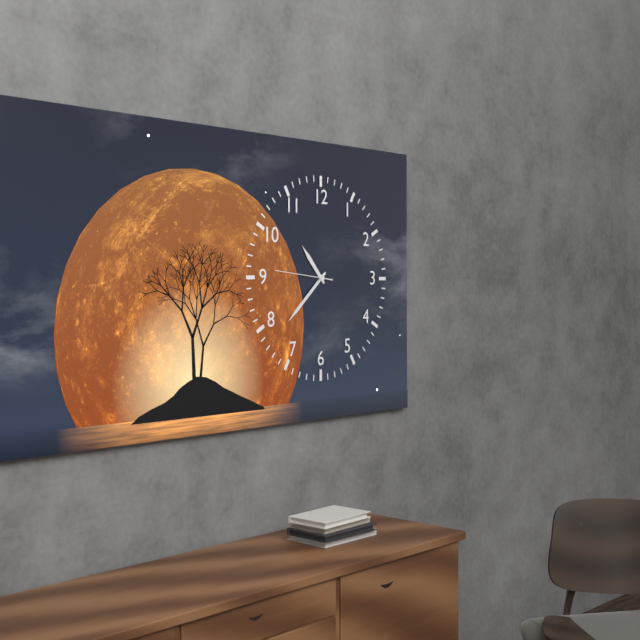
h=10 m=38 s=46
